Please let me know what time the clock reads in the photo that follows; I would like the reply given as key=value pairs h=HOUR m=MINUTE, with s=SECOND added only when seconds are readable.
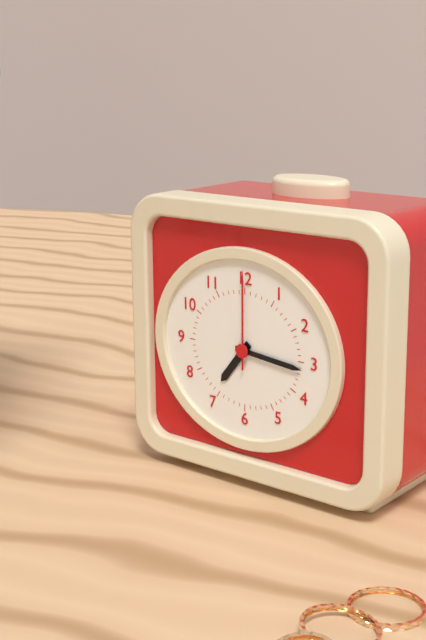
h=7 m=16 s=0
